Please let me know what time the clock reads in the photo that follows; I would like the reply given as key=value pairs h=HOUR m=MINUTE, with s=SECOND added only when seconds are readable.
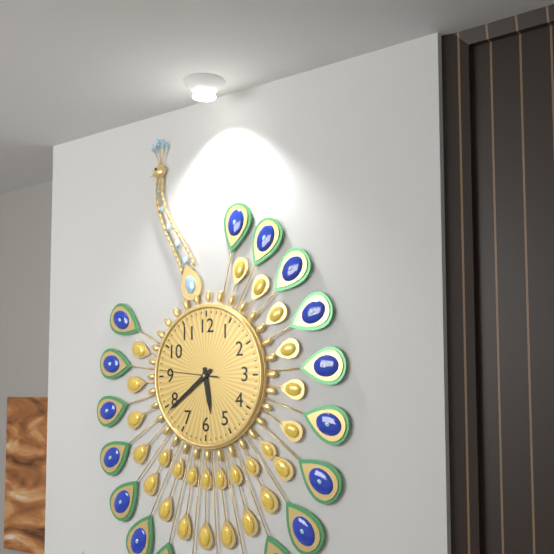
h=5 m=39 s=46
